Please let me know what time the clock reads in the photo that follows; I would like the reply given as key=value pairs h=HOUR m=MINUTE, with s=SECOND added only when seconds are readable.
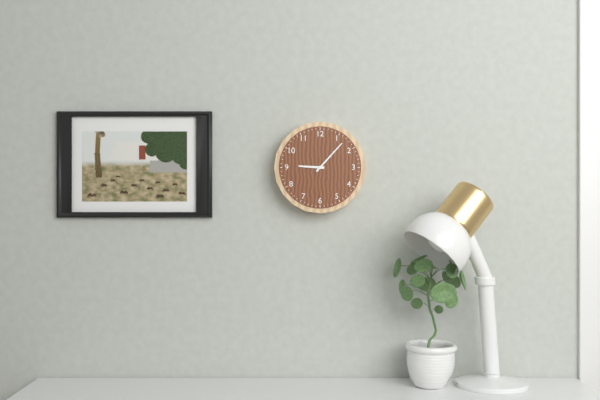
h=9 m=7
